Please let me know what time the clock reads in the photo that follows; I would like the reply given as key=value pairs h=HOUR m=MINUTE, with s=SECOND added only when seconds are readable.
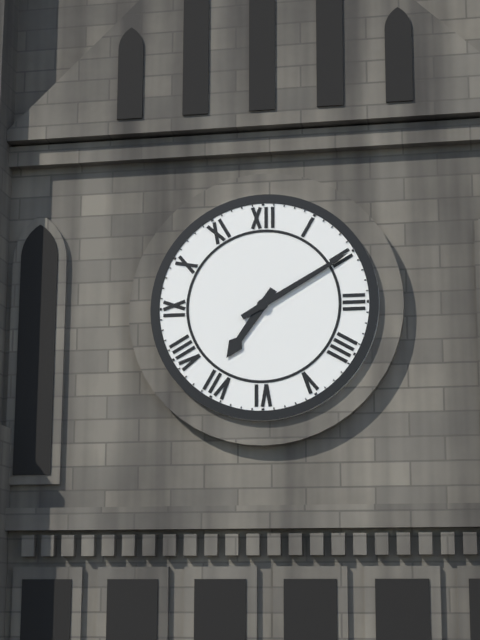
h=7 m=10
